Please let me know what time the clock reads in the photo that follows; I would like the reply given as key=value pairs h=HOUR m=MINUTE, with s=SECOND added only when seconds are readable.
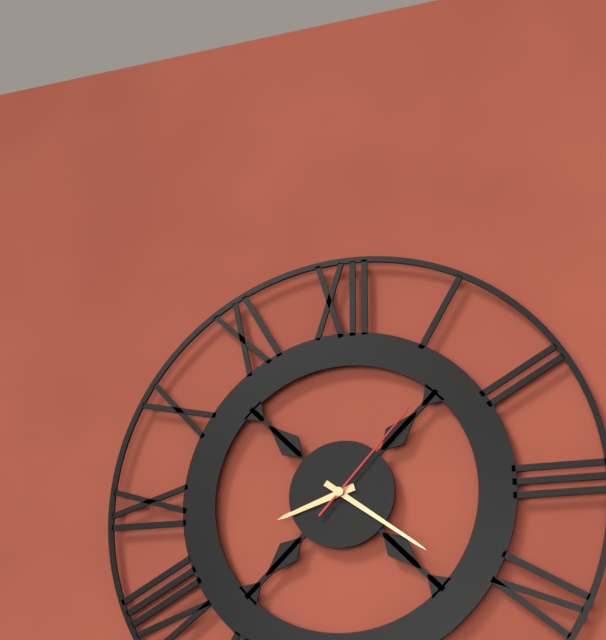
h=8 m=21 s=7
